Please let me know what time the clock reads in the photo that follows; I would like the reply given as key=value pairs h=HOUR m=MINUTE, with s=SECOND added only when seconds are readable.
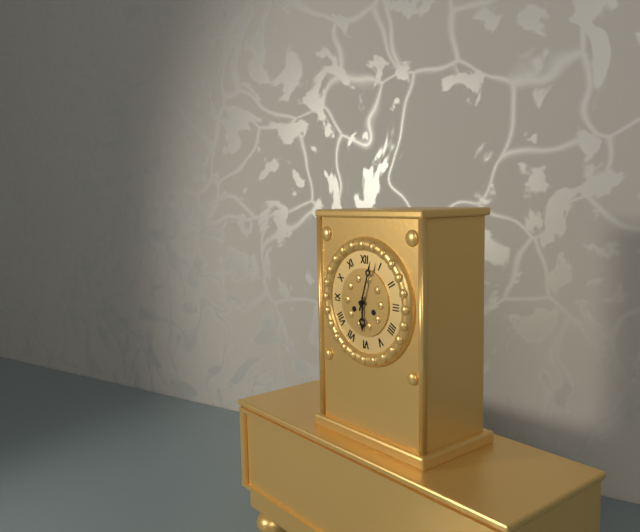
h=6 m=3
